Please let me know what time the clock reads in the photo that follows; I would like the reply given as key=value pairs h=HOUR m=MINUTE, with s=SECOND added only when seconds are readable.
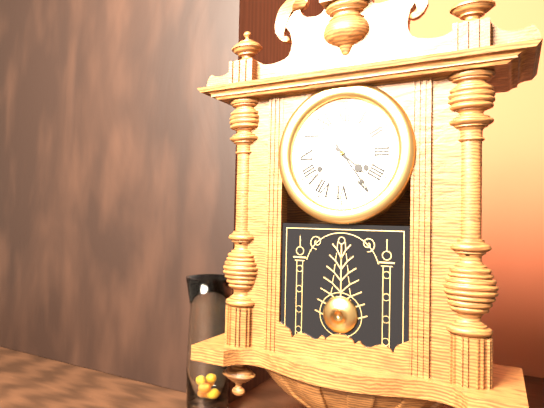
h=4 m=24
